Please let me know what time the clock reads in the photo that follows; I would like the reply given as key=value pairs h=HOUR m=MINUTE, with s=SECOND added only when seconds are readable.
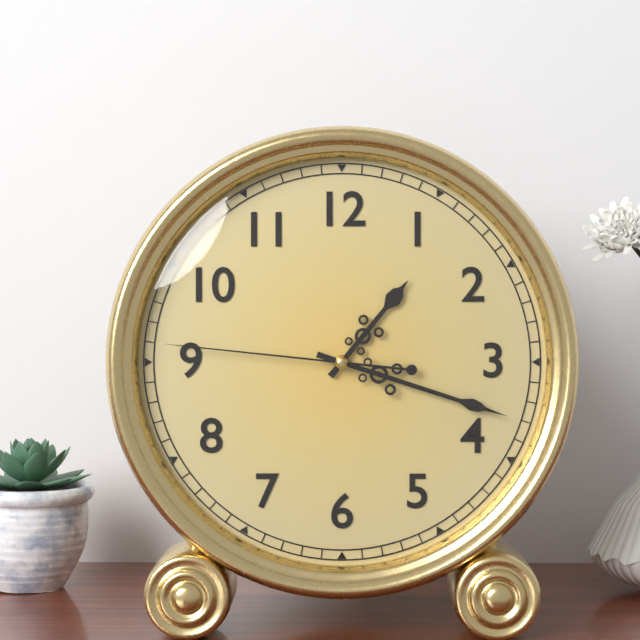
h=1 m=18 s=46
